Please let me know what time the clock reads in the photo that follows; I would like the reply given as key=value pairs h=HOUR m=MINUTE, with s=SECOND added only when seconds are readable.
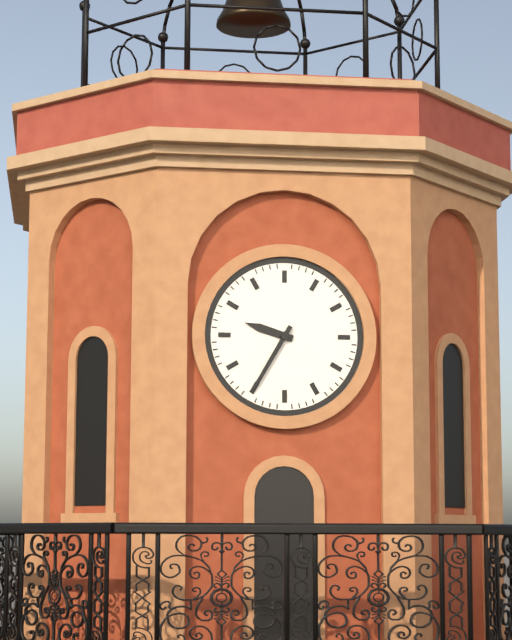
h=9 m=35
